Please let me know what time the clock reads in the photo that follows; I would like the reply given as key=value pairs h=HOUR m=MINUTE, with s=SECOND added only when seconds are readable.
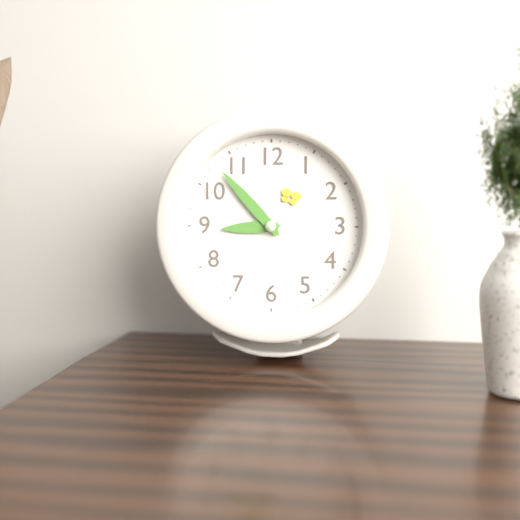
h=8 m=53
